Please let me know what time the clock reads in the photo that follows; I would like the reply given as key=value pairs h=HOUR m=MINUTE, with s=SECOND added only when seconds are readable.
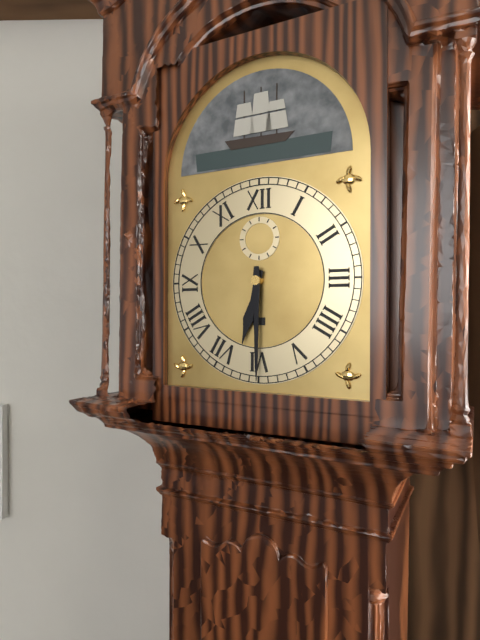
h=6 m=30
